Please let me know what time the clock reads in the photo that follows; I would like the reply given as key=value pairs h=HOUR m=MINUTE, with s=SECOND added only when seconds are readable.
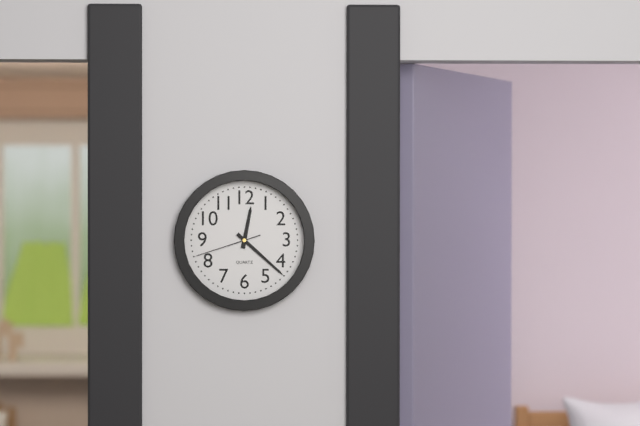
h=12 m=22 s=42
